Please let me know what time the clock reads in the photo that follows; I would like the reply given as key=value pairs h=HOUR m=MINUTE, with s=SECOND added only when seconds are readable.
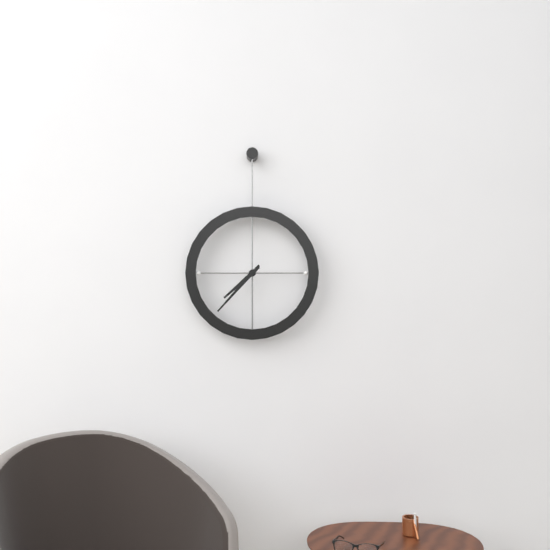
h=7 m=37
